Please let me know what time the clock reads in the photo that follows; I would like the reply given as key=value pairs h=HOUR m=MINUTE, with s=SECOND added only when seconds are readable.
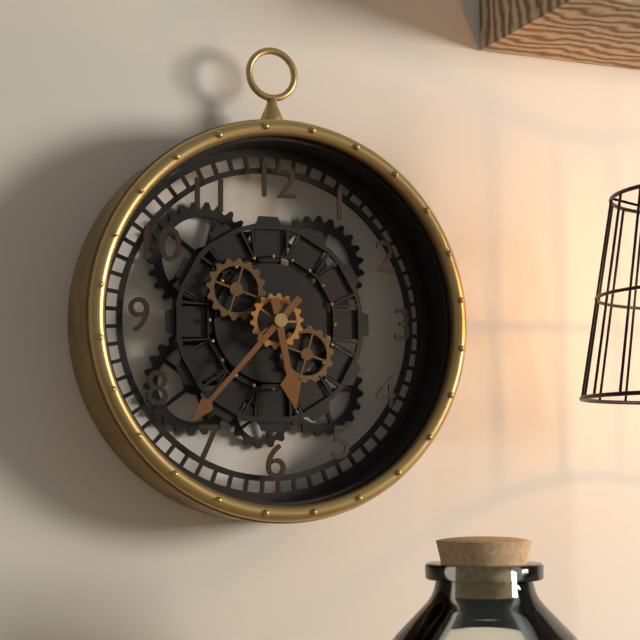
h=5 m=37
